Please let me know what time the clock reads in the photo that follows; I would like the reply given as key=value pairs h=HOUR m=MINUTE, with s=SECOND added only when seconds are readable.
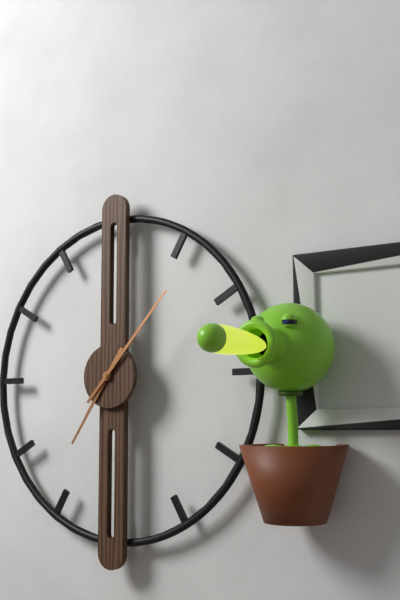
h=7 m=7
